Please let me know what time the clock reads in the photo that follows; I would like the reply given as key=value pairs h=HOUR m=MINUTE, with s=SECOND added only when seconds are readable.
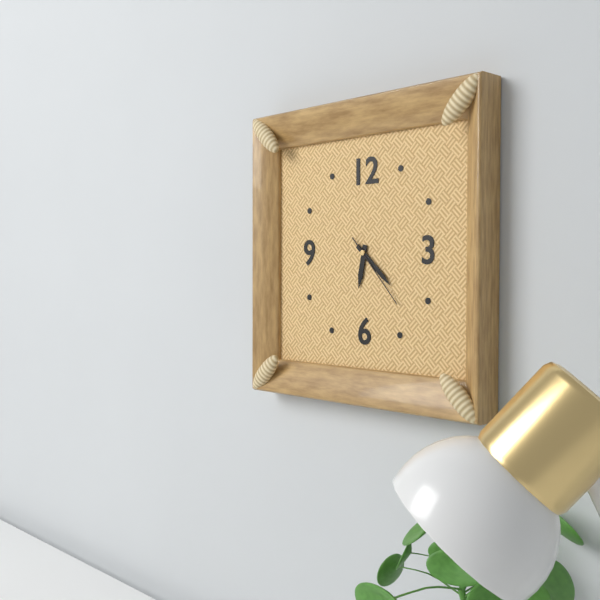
h=6 m=22 s=23
